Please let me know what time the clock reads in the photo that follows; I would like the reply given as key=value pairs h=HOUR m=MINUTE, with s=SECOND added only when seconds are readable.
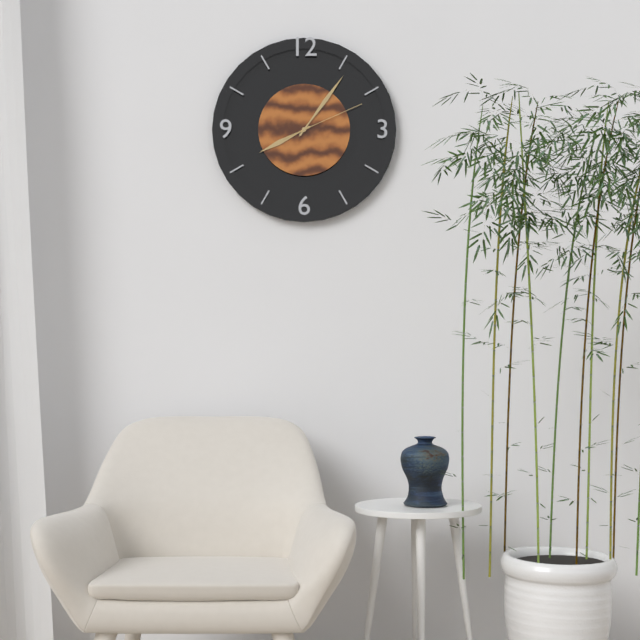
h=8 m=6 s=11
